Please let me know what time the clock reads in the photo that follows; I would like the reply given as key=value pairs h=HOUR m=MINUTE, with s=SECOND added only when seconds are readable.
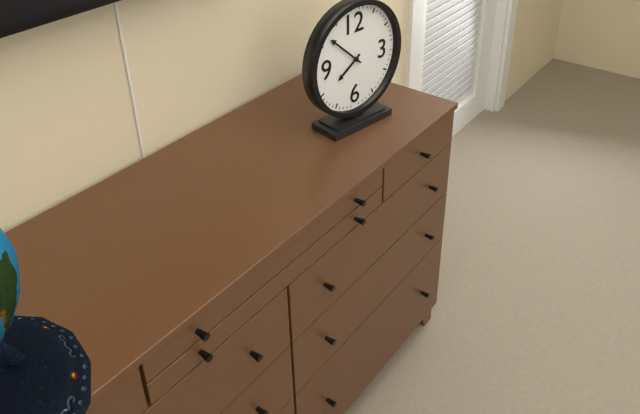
h=7 m=52
